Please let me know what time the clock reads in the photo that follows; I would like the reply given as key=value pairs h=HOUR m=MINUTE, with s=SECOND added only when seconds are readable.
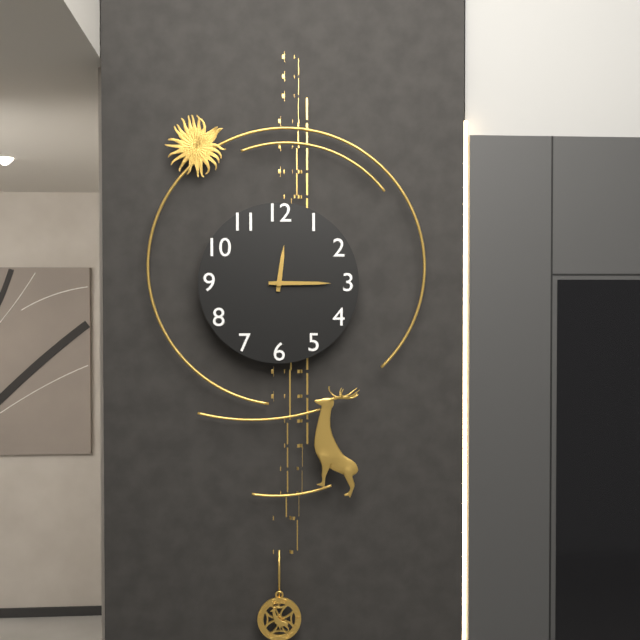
h=12 m=15
